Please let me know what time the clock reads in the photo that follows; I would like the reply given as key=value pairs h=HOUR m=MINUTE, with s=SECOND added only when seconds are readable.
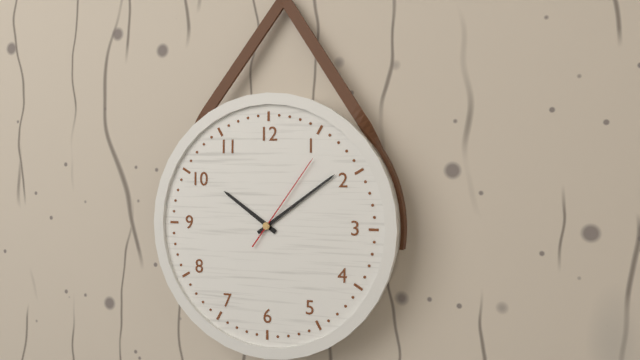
h=10 m=9 s=6
